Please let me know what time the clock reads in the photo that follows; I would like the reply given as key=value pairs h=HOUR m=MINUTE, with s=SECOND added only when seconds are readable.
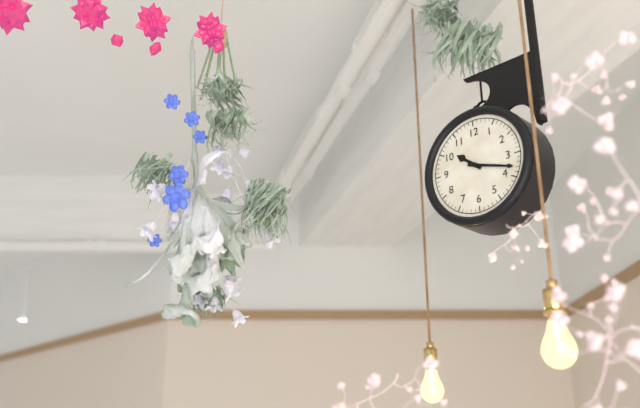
h=10 m=18
